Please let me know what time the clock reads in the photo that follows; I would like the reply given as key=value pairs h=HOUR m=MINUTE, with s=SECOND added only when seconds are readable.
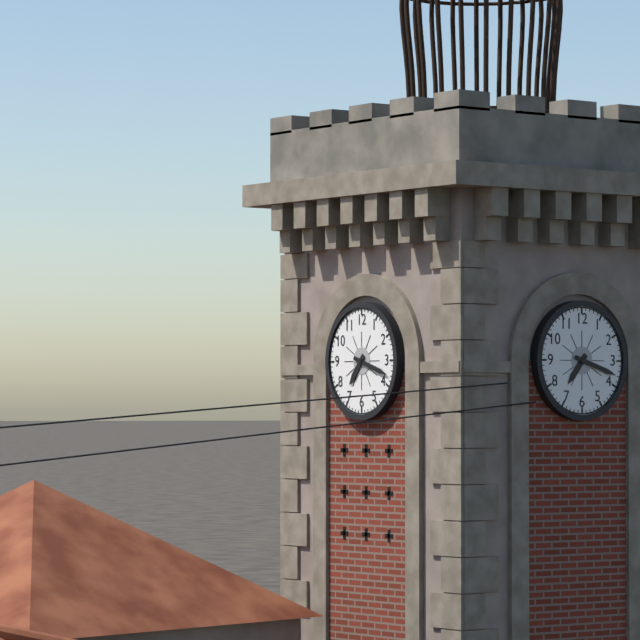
h=7 m=18
